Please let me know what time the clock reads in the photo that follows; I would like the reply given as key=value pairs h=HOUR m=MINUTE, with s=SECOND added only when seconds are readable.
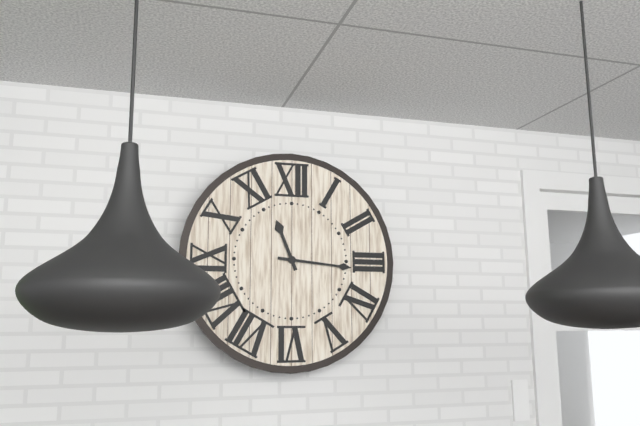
h=11 m=16
